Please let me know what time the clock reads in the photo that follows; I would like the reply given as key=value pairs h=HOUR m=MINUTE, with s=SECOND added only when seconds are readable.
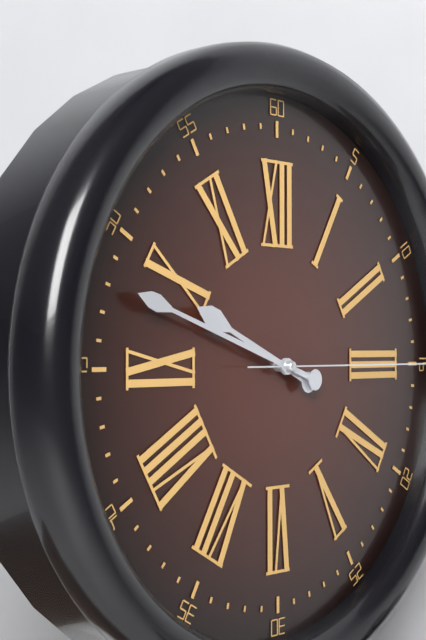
h=9 m=48
